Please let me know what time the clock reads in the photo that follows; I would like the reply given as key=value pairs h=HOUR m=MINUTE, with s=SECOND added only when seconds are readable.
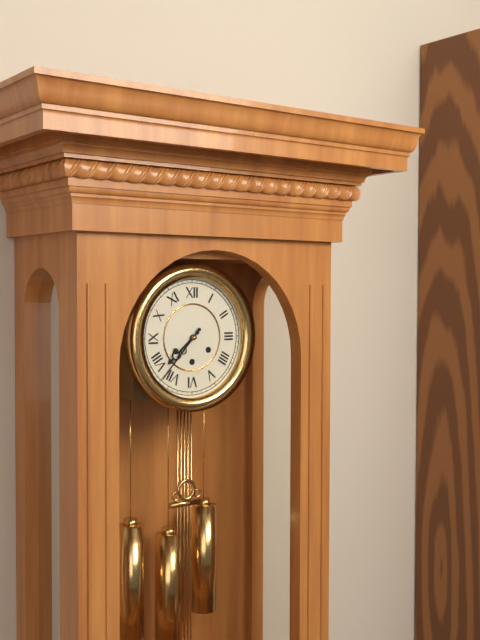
h=7 m=37
